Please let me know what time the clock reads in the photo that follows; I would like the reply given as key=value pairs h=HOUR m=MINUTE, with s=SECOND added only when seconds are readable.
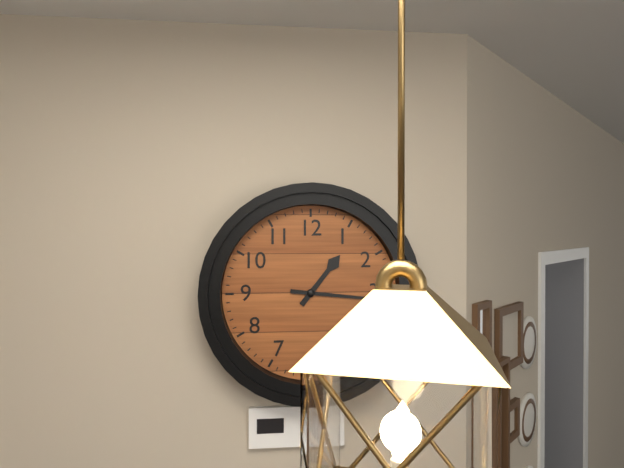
h=1 m=16
